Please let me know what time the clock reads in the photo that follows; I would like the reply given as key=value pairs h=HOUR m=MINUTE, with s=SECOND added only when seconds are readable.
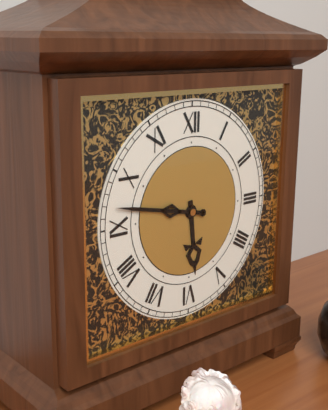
h=5 m=47
